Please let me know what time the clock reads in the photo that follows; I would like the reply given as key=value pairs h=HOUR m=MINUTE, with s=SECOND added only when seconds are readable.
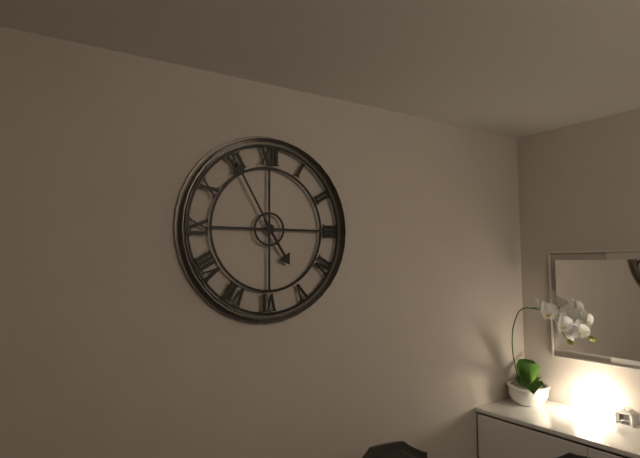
h=4 m=55
